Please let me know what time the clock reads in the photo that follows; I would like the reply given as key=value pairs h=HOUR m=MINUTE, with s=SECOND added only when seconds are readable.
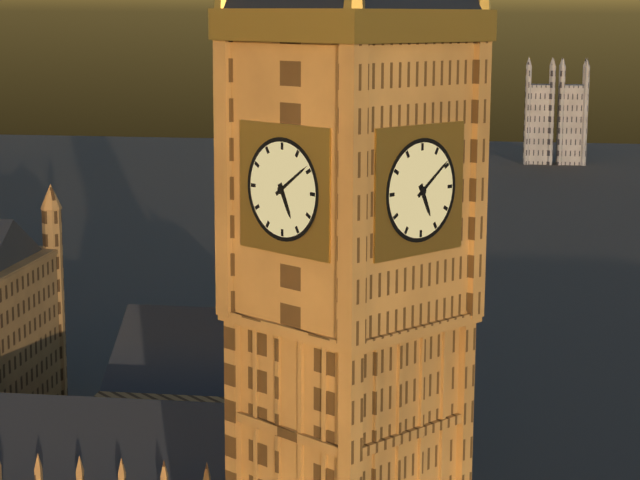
h=5 m=9
